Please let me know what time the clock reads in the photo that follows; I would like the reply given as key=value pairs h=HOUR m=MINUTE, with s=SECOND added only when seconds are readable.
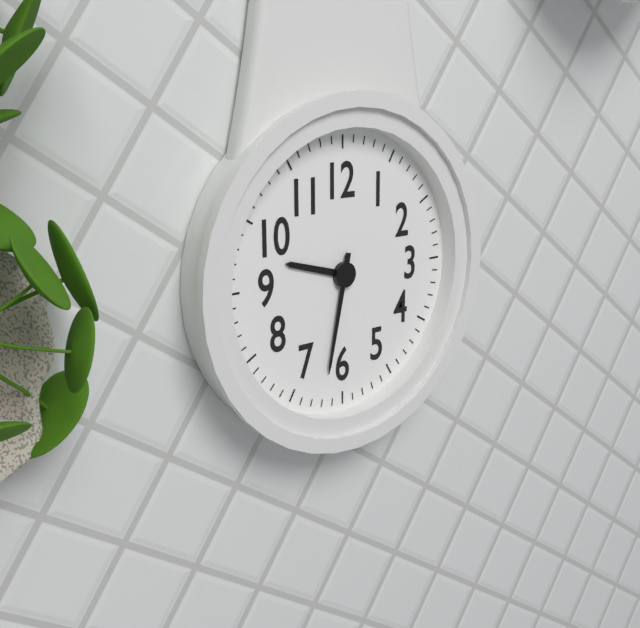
h=9 m=32
